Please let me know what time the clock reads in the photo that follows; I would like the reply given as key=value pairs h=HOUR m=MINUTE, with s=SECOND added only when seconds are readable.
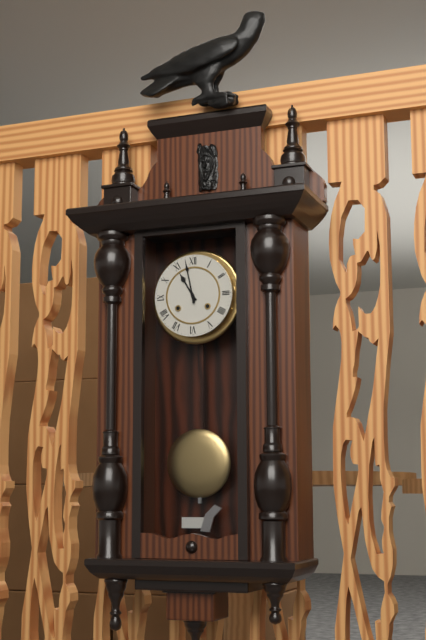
h=10 m=58
